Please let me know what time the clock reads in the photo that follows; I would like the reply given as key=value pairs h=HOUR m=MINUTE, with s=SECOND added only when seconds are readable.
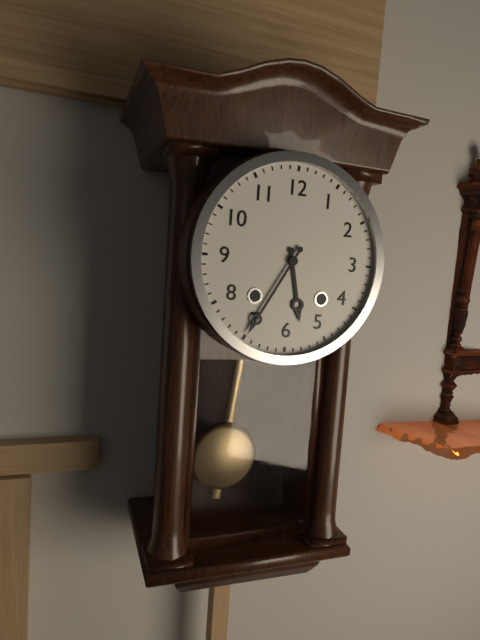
h=5 m=35
